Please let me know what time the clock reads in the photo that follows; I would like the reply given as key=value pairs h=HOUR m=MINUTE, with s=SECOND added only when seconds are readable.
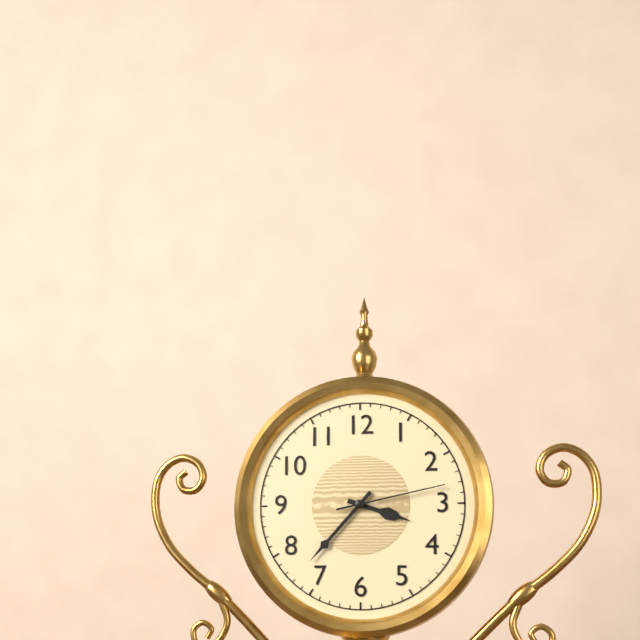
h=3 m=37 s=13
